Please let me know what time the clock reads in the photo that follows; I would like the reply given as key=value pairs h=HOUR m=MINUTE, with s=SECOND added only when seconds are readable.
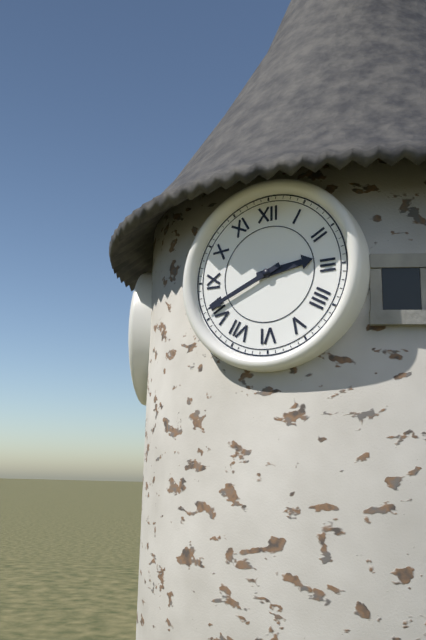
h=2 m=41
